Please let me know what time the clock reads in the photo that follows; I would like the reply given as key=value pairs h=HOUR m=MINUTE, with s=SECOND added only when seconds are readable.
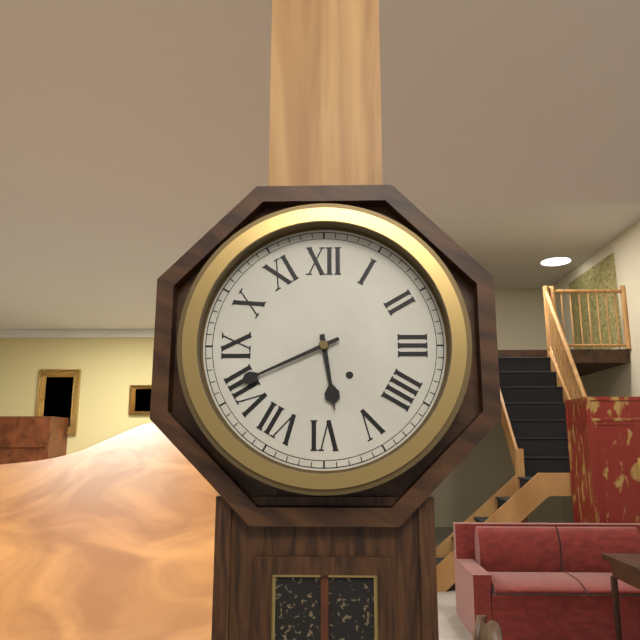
h=5 m=41
